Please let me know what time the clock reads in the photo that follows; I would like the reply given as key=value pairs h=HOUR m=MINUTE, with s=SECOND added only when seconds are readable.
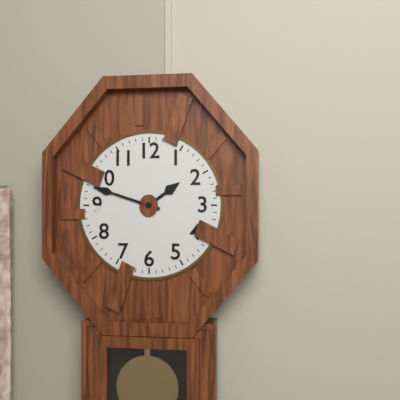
h=1 m=48
